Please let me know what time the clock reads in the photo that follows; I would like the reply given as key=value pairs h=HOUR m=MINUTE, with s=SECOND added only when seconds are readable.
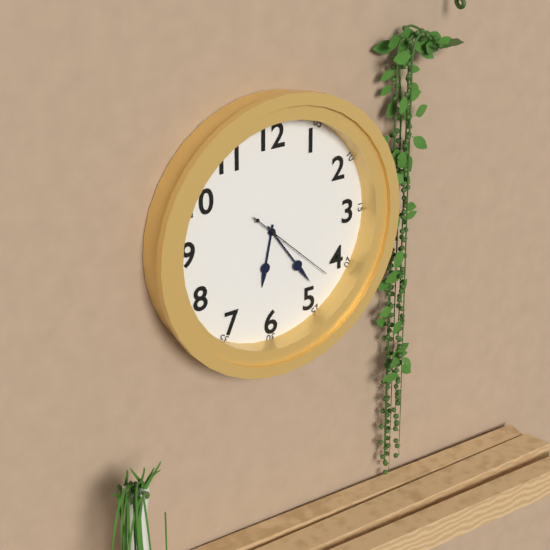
h=6 m=24 s=22
